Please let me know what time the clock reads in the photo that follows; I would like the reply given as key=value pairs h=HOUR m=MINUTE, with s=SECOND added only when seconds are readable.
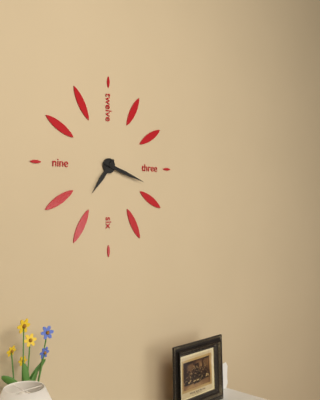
h=7 m=18
